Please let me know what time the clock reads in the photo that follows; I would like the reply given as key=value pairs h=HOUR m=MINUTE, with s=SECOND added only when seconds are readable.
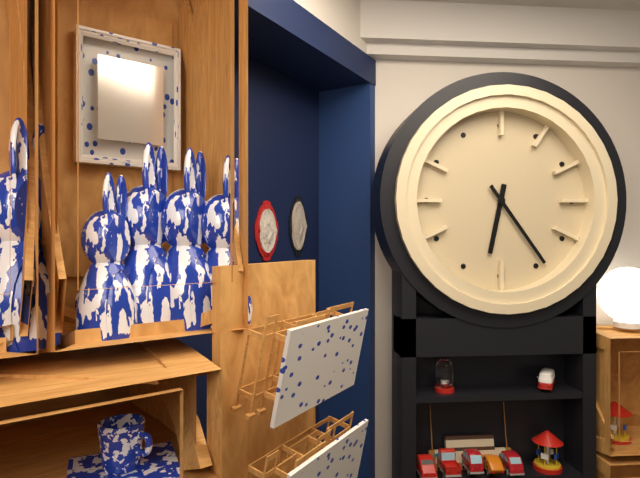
h=6 m=24
